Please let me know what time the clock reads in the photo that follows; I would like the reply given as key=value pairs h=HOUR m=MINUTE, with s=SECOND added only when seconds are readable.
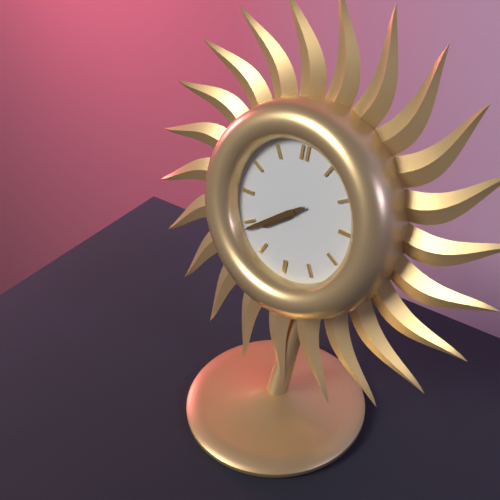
h=7 m=39
